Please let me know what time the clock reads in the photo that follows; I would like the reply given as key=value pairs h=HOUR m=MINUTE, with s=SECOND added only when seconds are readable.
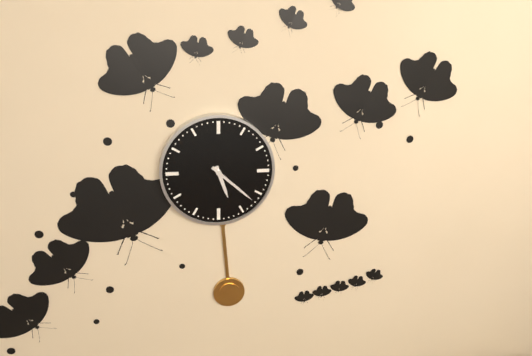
h=5 m=22
